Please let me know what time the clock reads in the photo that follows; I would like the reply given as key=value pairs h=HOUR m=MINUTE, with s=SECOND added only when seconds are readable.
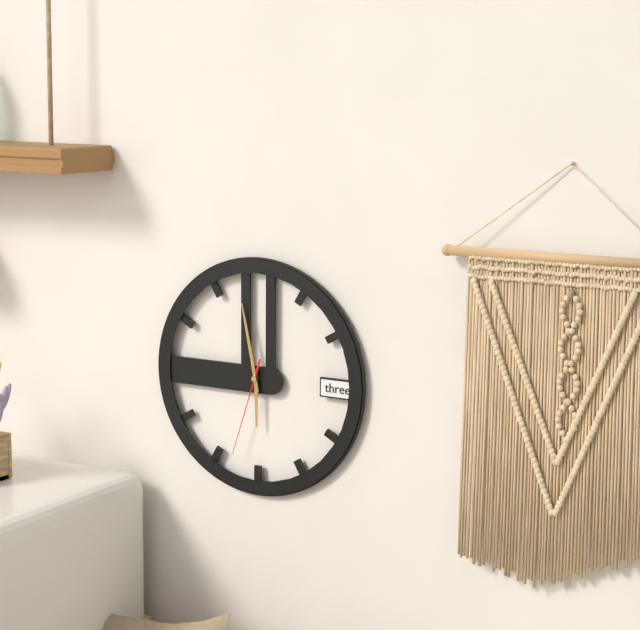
h=5 m=58 s=33
